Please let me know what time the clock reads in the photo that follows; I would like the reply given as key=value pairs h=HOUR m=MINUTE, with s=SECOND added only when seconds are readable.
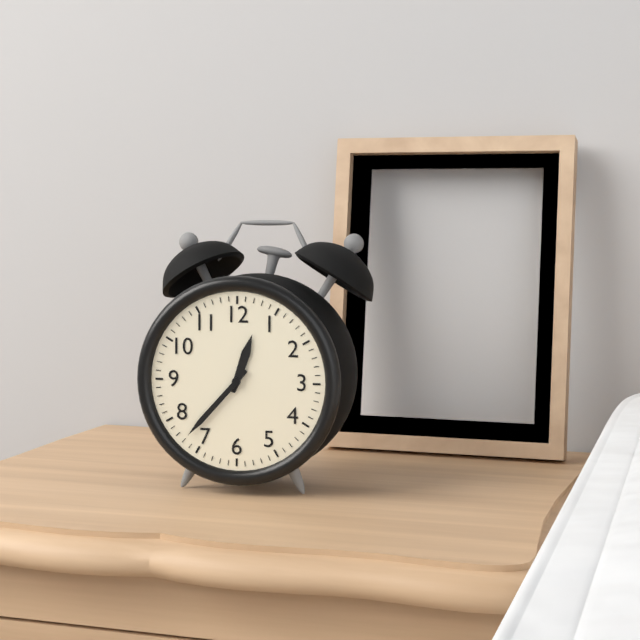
h=12 m=37
